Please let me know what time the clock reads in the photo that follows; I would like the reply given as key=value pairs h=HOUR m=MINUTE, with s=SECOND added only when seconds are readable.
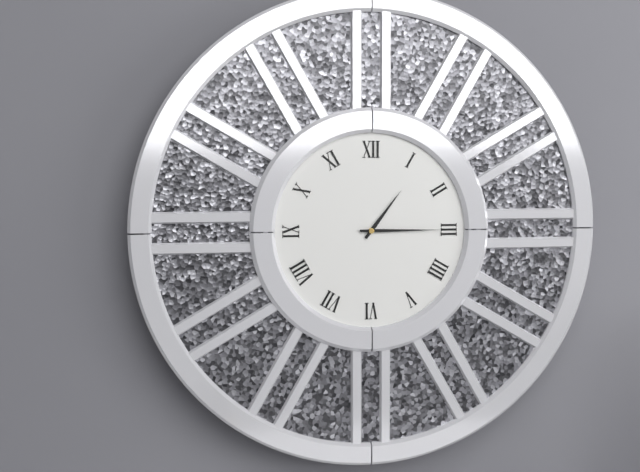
h=1 m=15
